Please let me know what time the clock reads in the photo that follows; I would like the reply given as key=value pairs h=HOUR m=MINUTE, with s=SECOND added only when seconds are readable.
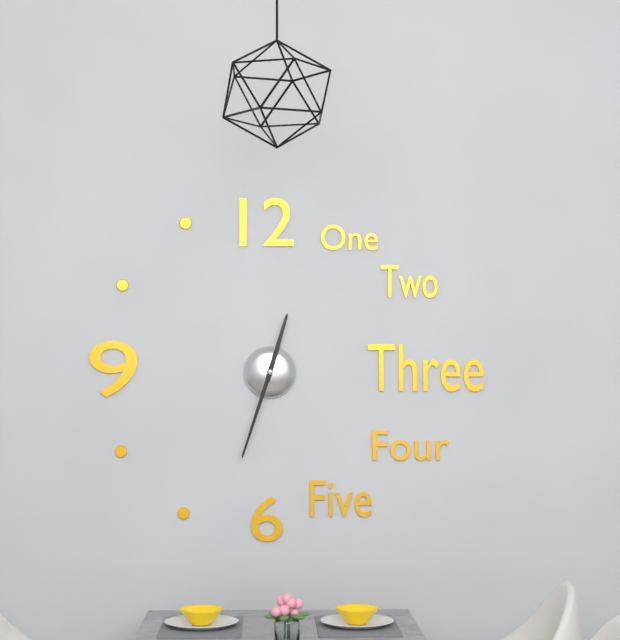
h=12 m=33
